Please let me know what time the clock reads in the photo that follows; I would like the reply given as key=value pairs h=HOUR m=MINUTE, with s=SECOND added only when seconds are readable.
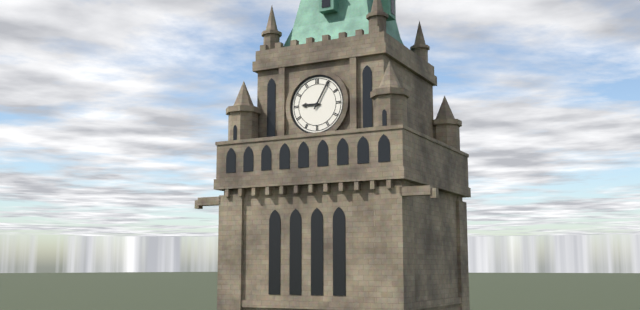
h=9 m=5
